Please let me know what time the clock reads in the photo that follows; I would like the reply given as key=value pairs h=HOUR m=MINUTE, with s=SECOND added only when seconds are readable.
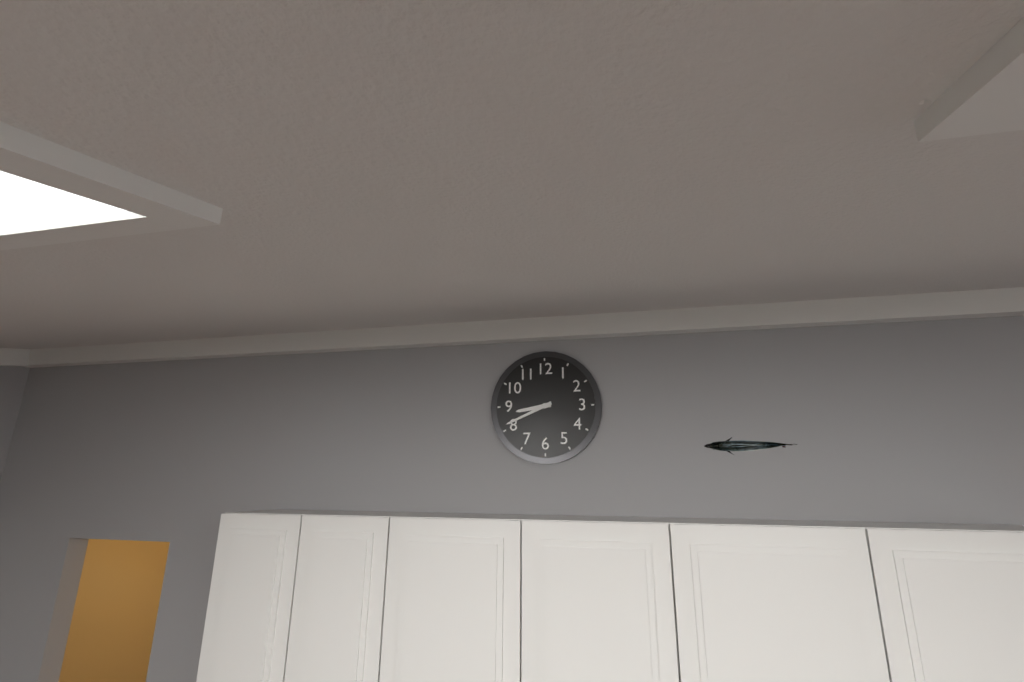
h=8 m=41
